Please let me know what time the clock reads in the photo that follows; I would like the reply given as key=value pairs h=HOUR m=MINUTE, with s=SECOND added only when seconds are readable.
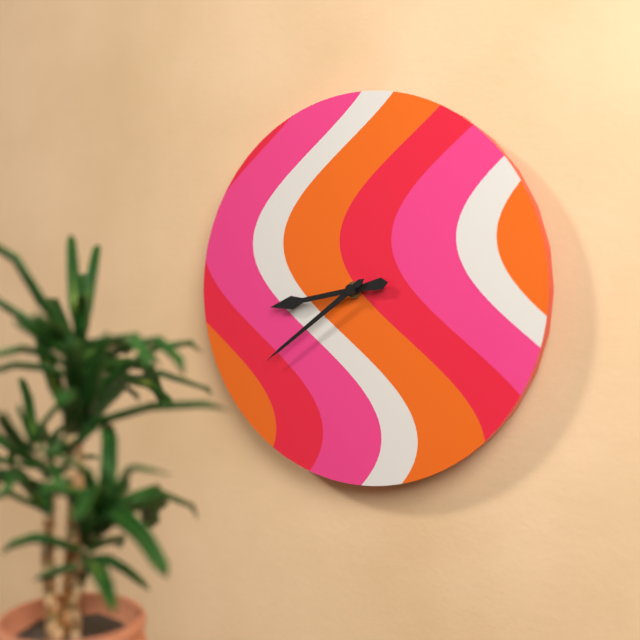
h=8 m=39
